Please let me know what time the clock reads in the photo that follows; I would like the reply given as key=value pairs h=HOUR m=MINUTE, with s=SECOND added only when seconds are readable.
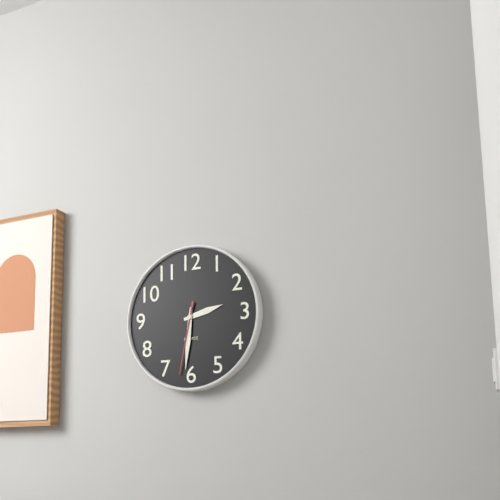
h=2 m=31 s=32
